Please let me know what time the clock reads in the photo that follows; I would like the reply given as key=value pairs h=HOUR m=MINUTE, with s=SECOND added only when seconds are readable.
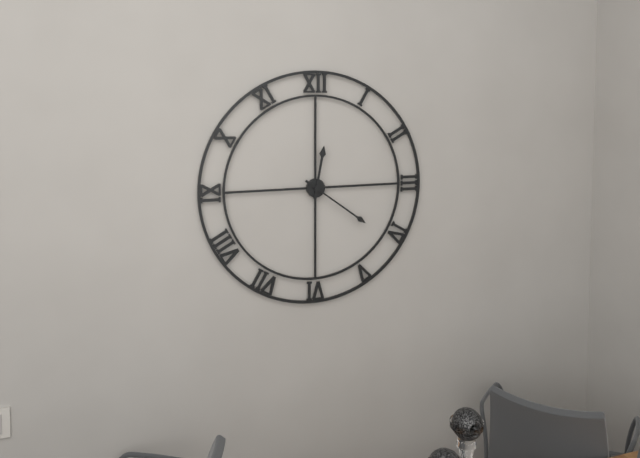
h=12 m=21
